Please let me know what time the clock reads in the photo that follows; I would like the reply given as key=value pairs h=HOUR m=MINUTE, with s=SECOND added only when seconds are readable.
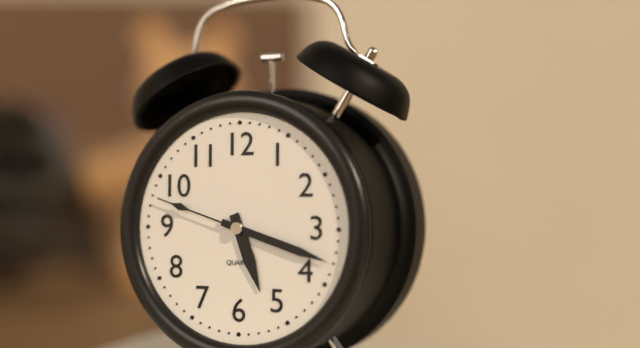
h=5 m=18 s=48
